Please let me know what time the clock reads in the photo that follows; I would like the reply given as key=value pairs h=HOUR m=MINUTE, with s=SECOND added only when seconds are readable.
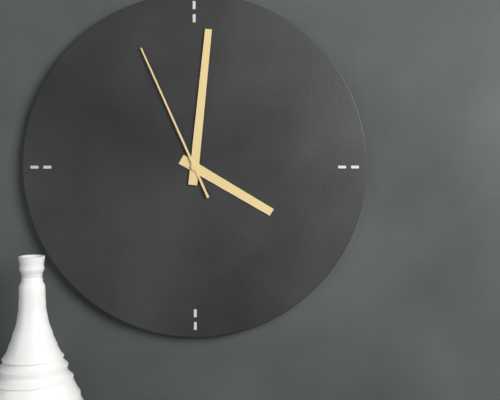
h=4 m=1 s=56
